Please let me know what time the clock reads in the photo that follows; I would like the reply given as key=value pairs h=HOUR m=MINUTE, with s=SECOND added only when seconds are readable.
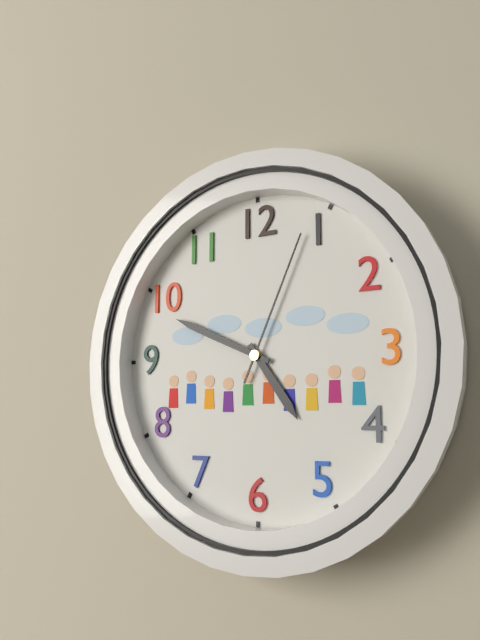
h=4 m=49 s=4
